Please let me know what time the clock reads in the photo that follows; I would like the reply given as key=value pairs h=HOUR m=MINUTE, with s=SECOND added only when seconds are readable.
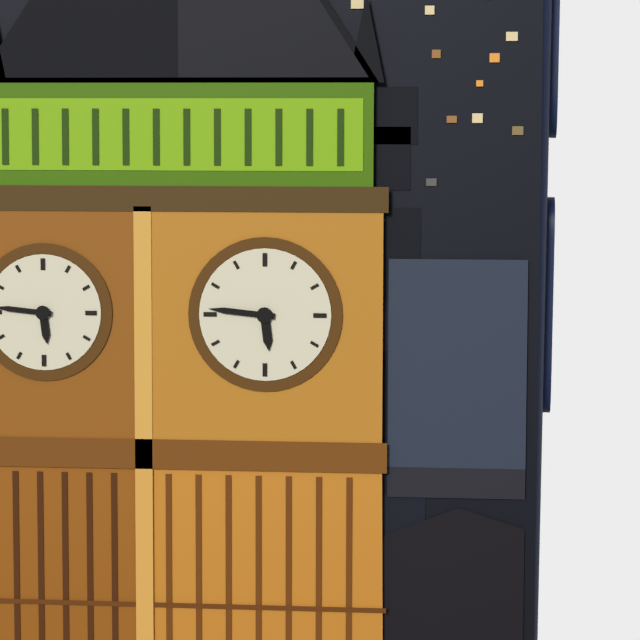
h=5 m=46
